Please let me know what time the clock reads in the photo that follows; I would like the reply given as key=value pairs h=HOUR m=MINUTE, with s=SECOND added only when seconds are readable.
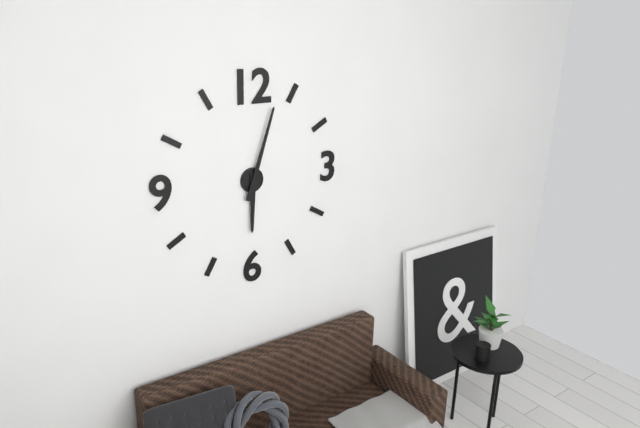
h=6 m=3
